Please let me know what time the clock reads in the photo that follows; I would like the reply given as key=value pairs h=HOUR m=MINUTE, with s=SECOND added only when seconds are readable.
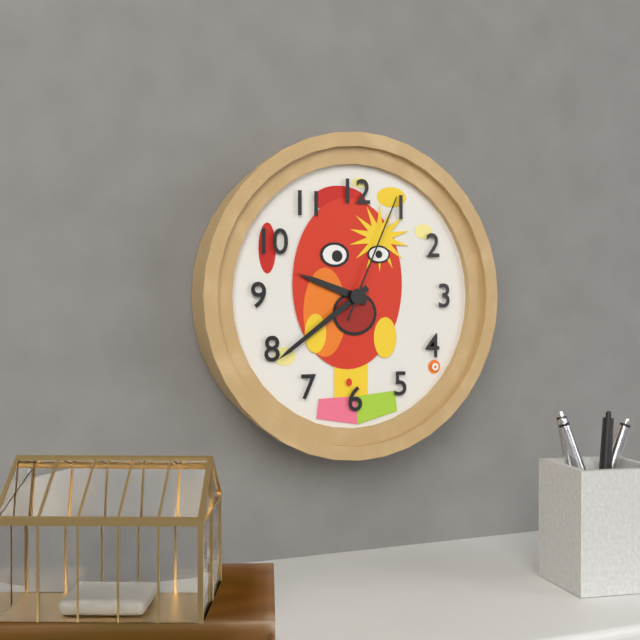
h=9 m=39 s=4
